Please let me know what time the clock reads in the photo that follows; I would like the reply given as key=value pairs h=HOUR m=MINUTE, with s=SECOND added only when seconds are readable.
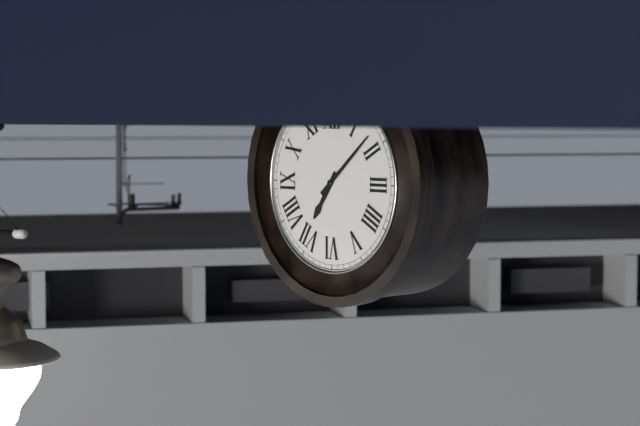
h=7 m=8
